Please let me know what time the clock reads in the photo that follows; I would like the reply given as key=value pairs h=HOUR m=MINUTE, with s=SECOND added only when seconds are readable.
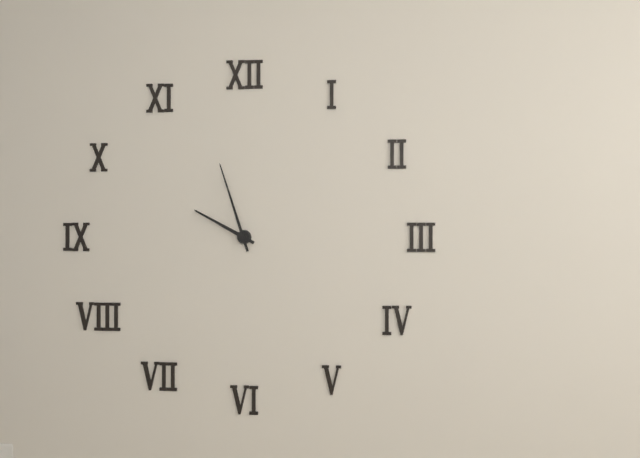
h=9 m=57
